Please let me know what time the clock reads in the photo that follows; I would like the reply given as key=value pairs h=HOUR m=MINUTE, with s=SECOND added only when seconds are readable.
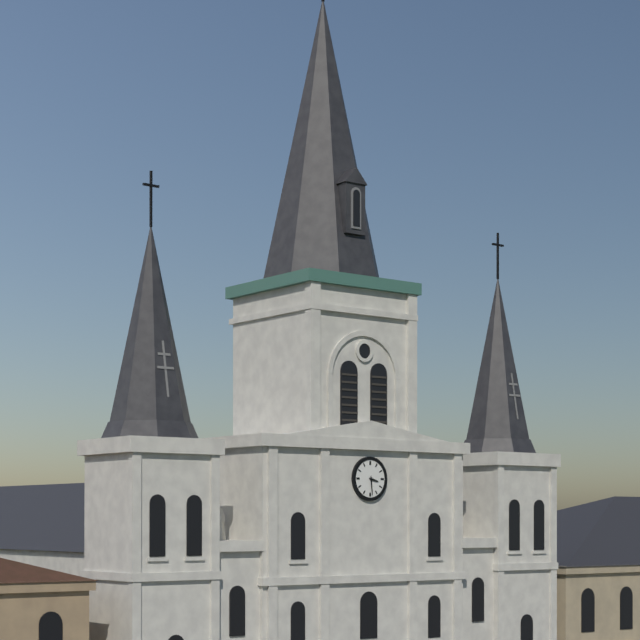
h=3 m=29
